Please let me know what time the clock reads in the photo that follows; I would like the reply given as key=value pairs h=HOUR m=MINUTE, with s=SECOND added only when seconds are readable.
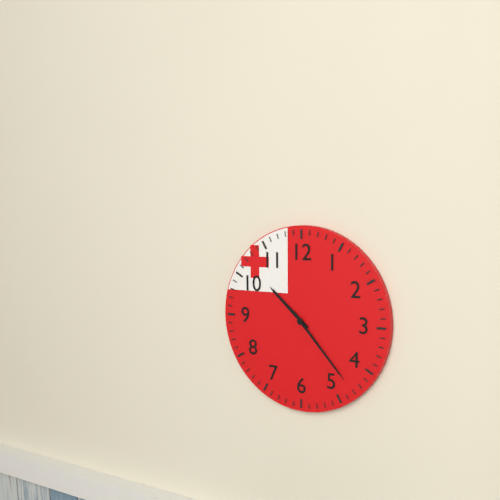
h=10 m=23
